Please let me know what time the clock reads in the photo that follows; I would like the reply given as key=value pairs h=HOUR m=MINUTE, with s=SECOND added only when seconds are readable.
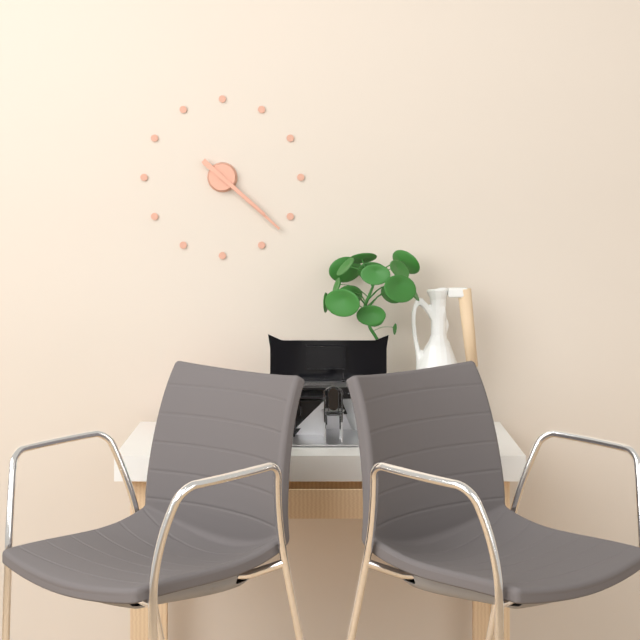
h=4 m=22
